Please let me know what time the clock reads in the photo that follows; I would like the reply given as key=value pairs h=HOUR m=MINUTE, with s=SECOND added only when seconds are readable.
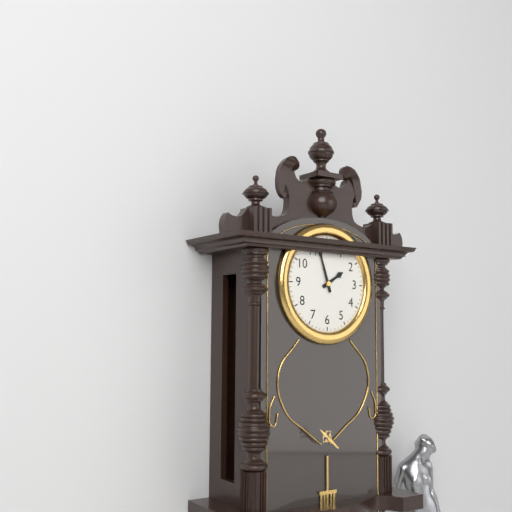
h=1 m=57
